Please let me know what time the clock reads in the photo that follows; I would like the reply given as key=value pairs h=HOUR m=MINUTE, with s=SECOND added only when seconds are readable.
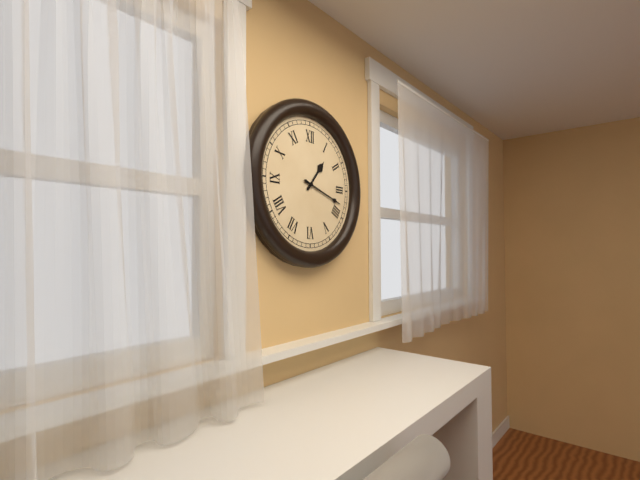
h=1 m=18
